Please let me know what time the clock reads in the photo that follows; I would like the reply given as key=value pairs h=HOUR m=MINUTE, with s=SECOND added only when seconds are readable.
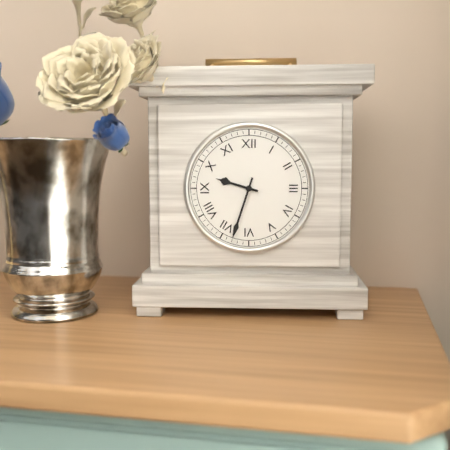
h=9 m=33
